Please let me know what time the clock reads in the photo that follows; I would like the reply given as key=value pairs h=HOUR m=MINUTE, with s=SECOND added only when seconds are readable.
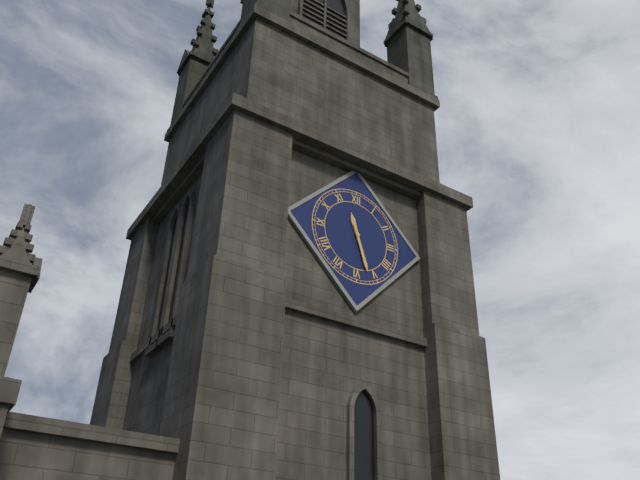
h=11 m=27
